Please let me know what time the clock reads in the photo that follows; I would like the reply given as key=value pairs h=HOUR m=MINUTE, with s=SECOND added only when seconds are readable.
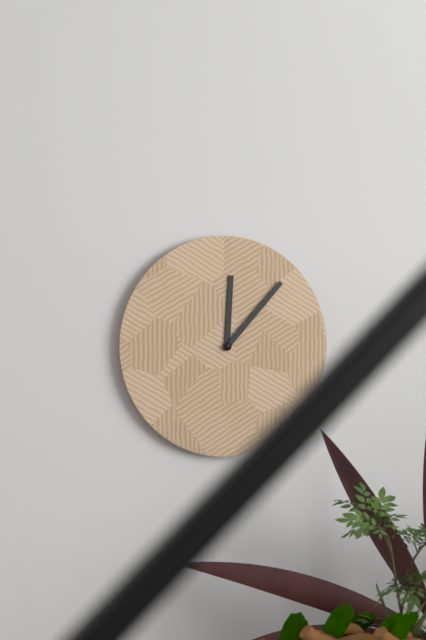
h=12 m=7
